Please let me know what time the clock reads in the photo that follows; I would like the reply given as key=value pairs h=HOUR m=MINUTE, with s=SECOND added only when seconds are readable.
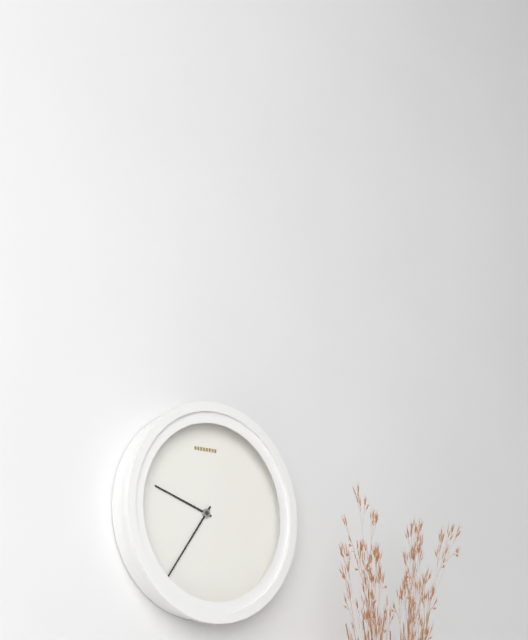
h=9 m=36
